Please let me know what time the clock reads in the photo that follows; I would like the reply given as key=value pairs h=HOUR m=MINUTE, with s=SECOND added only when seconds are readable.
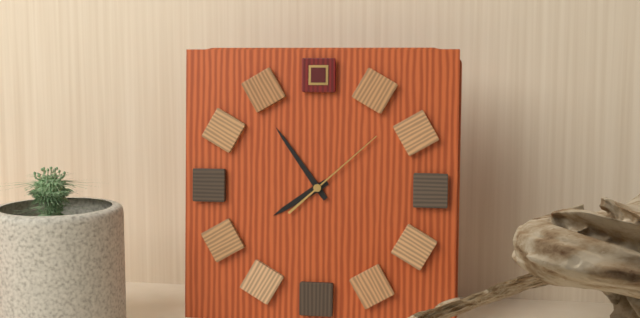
h=7 m=54 s=8
